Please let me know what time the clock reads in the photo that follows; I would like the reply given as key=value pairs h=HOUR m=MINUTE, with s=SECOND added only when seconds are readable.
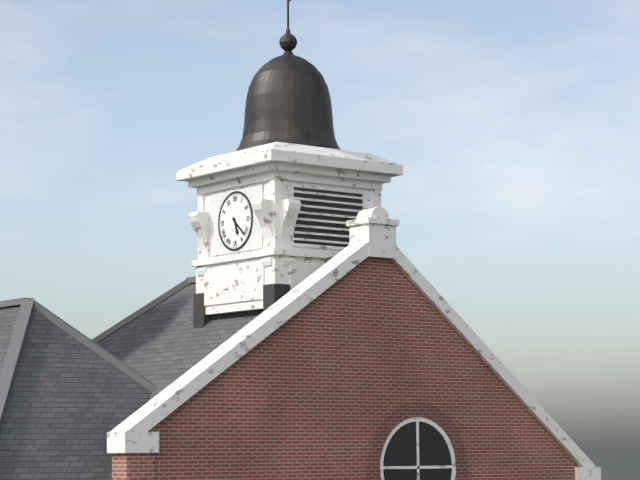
h=5 m=22
